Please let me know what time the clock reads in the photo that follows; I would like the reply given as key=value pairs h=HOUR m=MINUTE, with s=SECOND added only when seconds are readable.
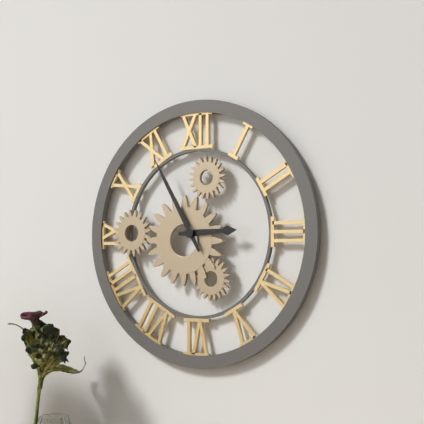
h=2 m=55
